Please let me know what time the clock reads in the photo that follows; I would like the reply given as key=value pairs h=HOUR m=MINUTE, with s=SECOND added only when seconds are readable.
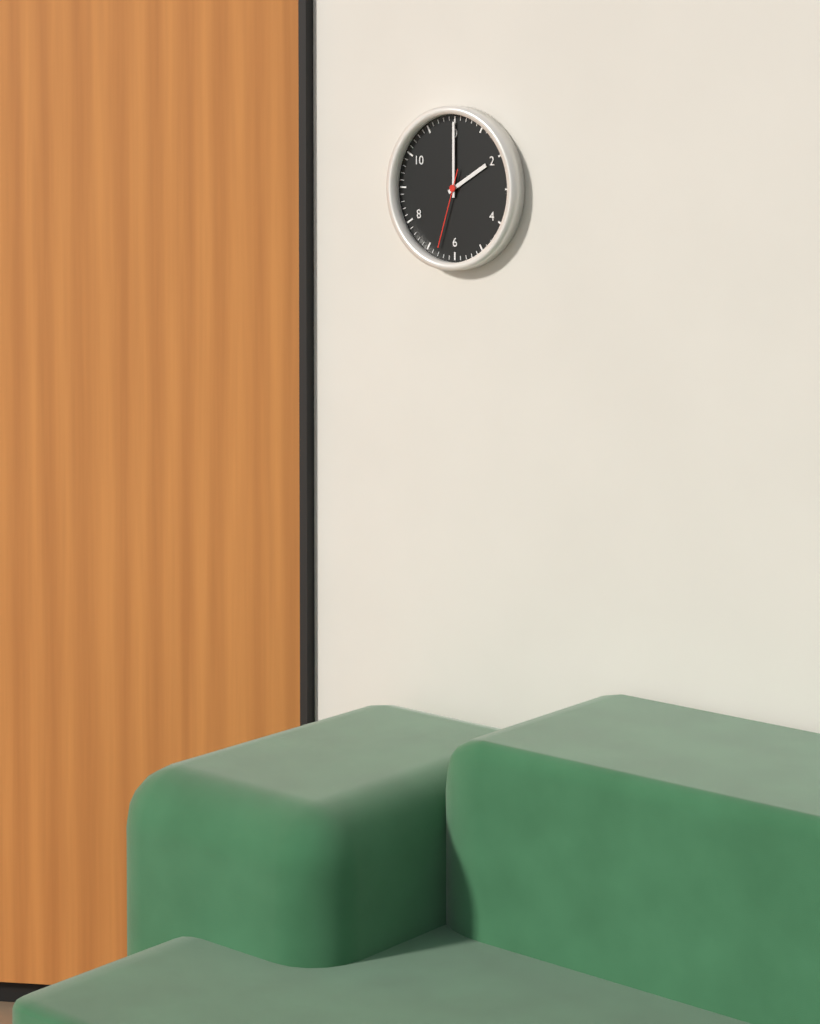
h=2 m=0 s=33
